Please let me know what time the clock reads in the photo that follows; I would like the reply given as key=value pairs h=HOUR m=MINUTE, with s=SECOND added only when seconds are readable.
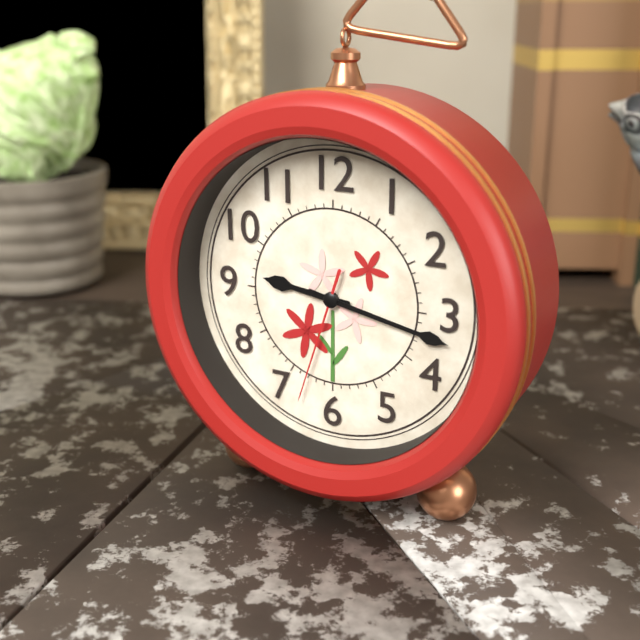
h=9 m=17 s=33
